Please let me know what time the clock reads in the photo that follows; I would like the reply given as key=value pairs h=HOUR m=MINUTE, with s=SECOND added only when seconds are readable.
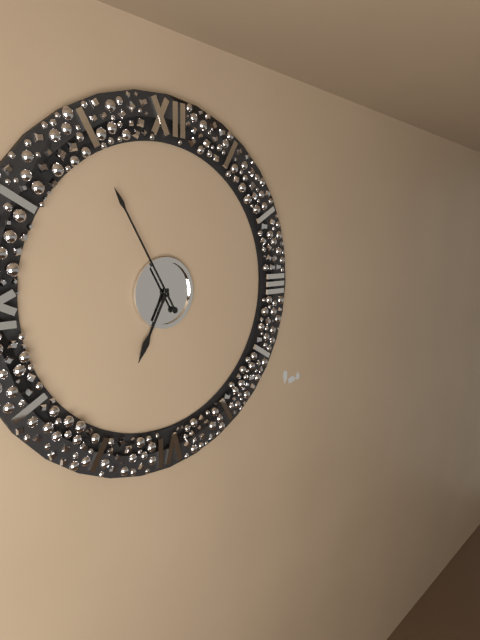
h=6 m=55
